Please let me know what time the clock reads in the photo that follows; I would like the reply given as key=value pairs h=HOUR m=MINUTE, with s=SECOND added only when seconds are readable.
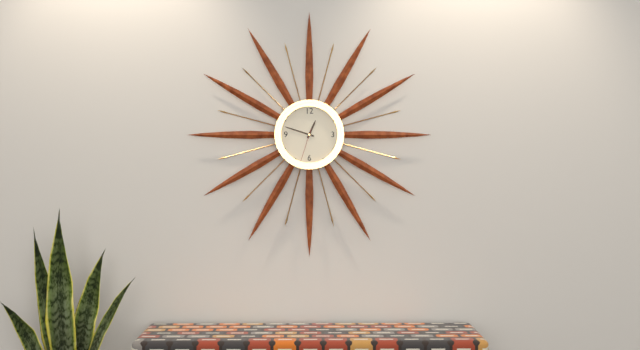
h=12 m=48
